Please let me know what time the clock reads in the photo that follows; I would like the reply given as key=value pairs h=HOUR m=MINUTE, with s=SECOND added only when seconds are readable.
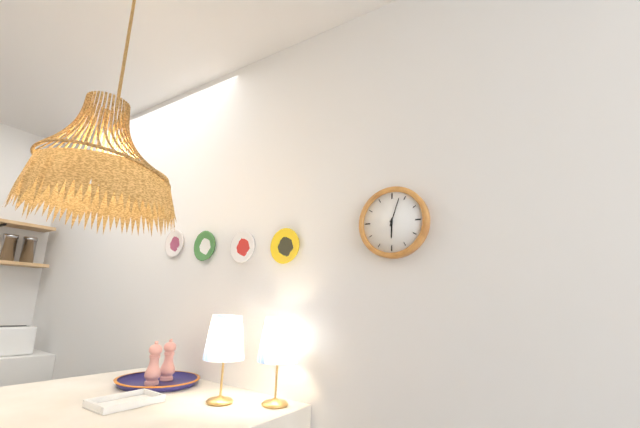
h=6 m=3
